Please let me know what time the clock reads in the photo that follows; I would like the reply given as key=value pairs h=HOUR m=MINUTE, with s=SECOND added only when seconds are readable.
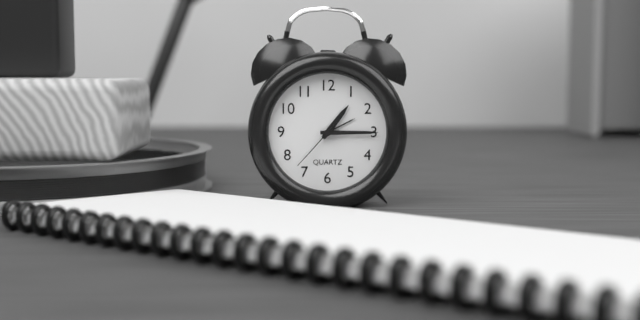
h=1 m=15 s=37
